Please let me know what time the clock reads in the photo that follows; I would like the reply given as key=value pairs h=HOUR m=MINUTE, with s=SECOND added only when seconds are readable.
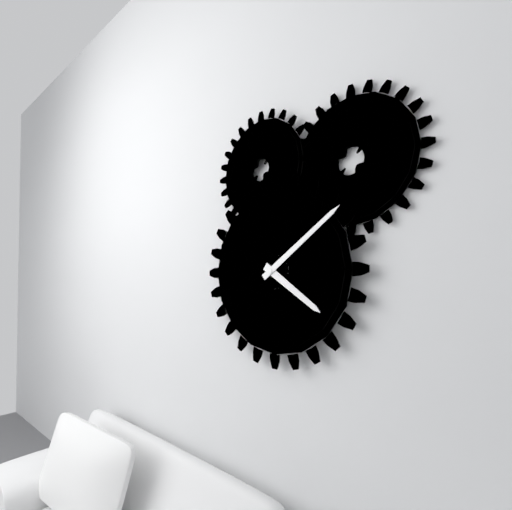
h=4 m=9
